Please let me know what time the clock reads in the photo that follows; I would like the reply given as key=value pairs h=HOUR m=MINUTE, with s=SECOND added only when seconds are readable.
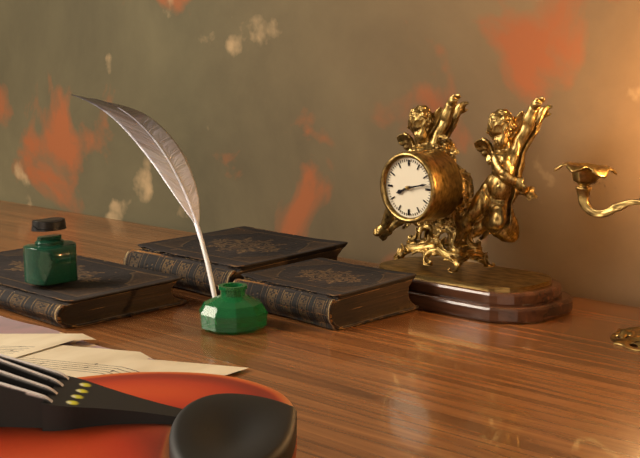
h=8 m=13
